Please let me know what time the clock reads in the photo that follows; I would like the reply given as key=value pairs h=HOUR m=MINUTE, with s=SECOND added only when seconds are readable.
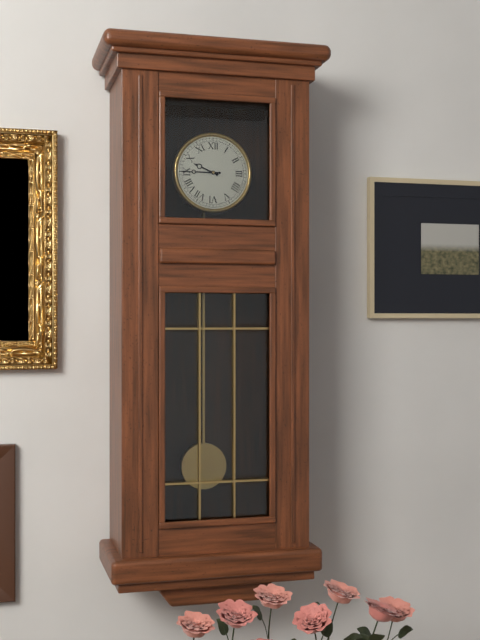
h=9 m=45
